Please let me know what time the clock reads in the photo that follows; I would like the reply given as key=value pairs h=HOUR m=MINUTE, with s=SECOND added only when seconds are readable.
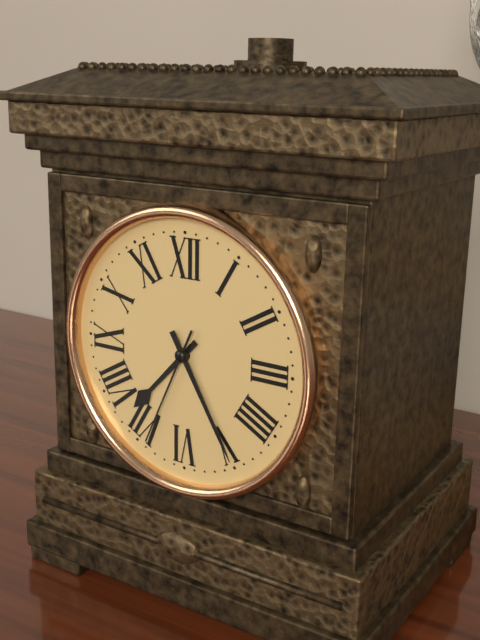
h=7 m=25 s=34
